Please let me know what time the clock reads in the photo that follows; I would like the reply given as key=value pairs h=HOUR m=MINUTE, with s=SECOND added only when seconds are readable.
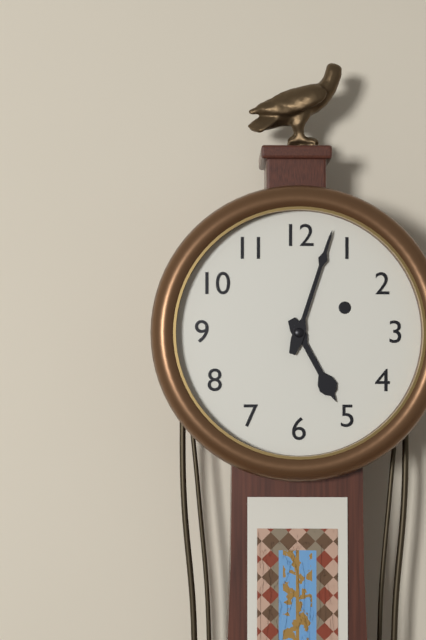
h=5 m=3
